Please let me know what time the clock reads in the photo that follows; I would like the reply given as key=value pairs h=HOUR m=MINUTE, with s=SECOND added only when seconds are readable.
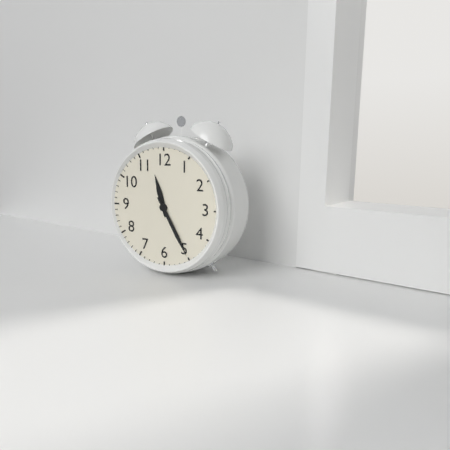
h=11 m=25
